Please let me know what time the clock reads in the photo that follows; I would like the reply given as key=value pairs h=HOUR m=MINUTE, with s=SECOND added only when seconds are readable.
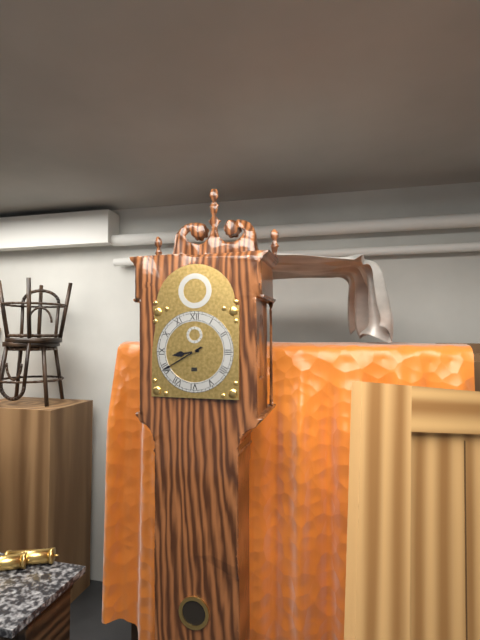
h=8 m=40
